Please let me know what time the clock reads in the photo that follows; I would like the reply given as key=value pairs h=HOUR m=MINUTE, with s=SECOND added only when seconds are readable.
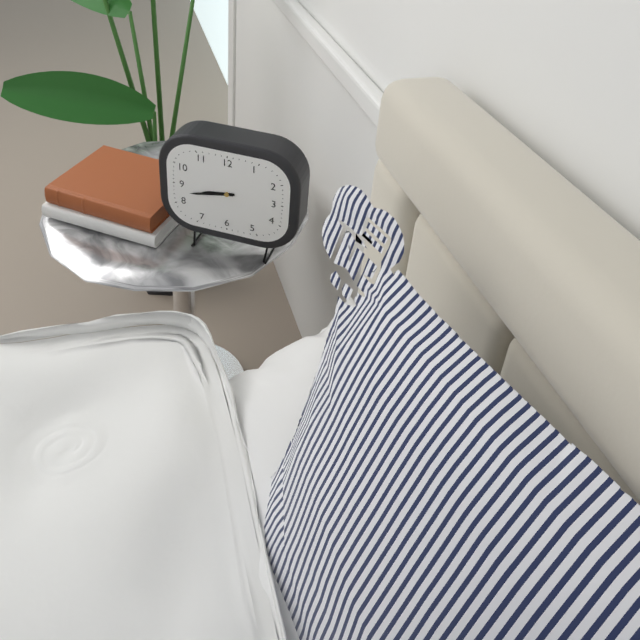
h=8 m=43
